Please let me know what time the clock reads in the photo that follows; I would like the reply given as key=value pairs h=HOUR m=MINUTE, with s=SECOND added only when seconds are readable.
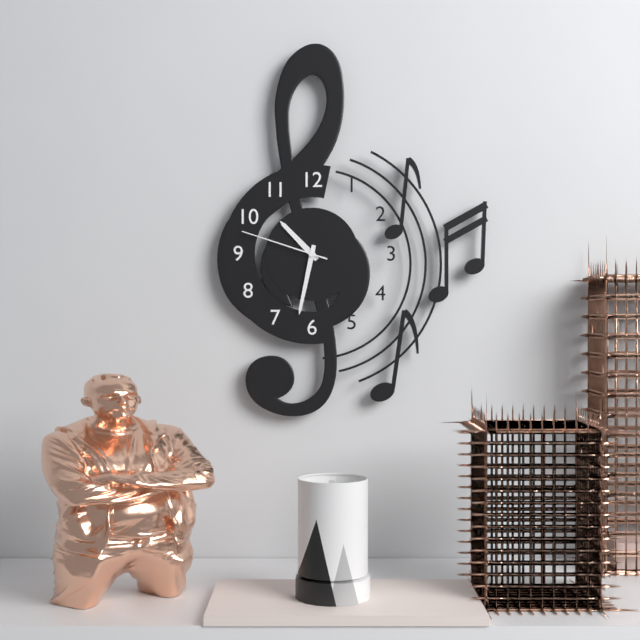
h=10 m=32 s=48
